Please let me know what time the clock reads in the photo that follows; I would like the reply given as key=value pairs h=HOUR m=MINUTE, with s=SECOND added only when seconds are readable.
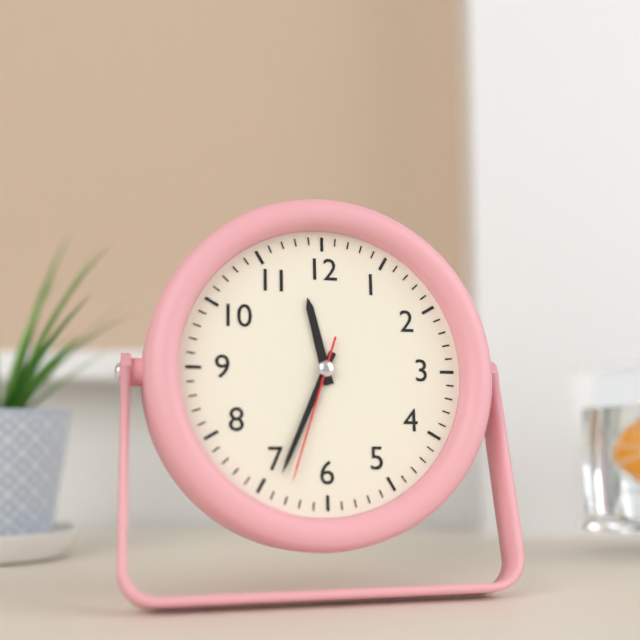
h=11 m=34 s=33
